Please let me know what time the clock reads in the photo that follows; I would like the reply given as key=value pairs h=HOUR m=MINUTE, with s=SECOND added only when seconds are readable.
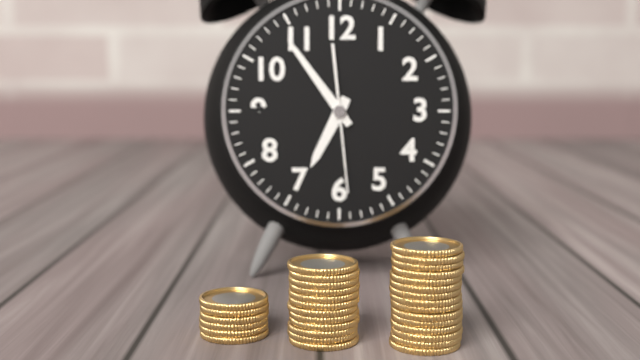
h=6 m=54 s=29
